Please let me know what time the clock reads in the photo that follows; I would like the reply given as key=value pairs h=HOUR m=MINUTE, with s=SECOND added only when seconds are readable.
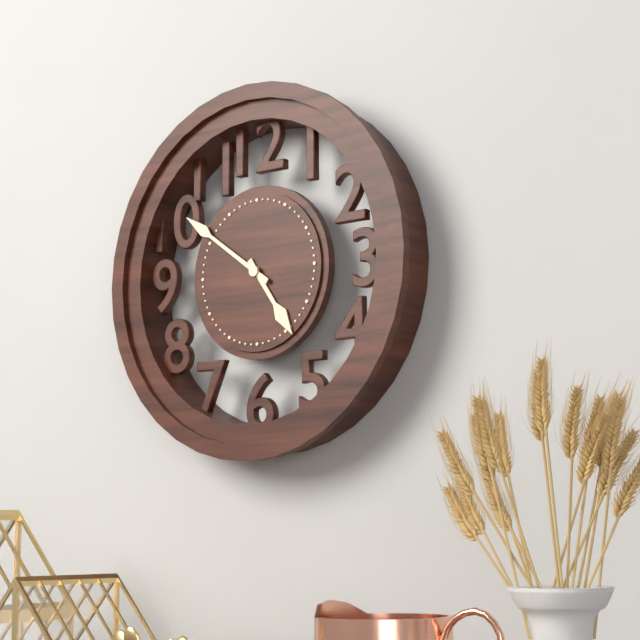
h=4 m=51
